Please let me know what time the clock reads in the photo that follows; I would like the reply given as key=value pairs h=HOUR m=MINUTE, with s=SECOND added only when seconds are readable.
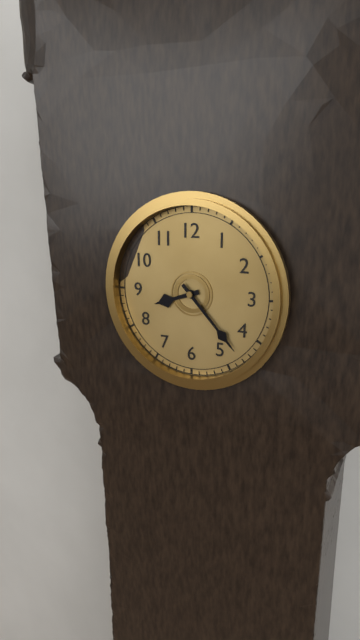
h=8 m=23
